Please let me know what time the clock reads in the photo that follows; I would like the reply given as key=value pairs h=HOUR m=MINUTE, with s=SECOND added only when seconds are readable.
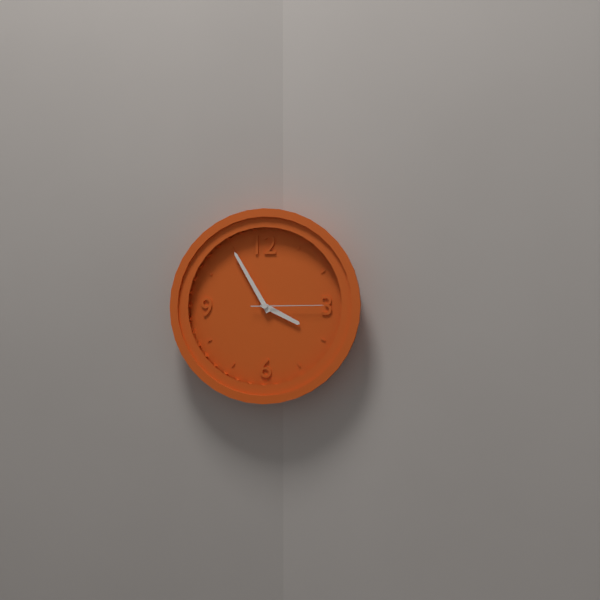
h=3 m=55 s=15
